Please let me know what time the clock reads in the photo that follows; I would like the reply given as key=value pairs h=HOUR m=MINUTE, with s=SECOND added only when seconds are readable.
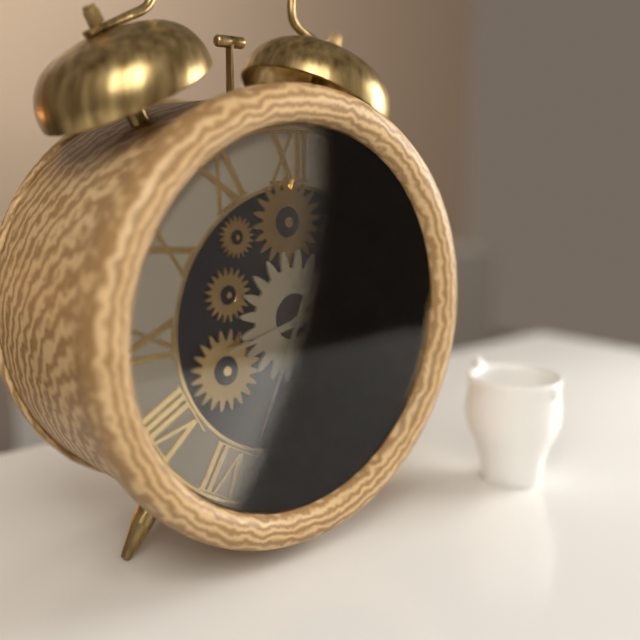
h=8 m=34
